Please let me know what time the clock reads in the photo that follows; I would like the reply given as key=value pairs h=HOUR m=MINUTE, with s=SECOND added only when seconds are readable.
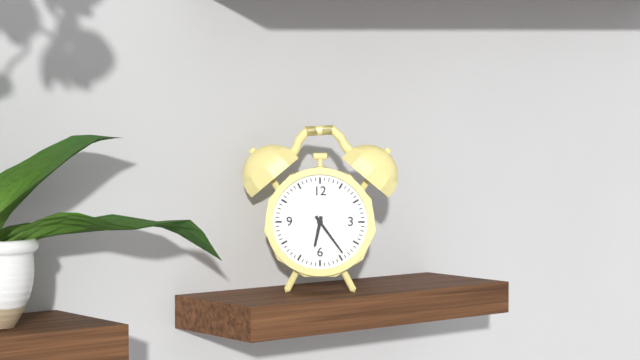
h=6 m=24
